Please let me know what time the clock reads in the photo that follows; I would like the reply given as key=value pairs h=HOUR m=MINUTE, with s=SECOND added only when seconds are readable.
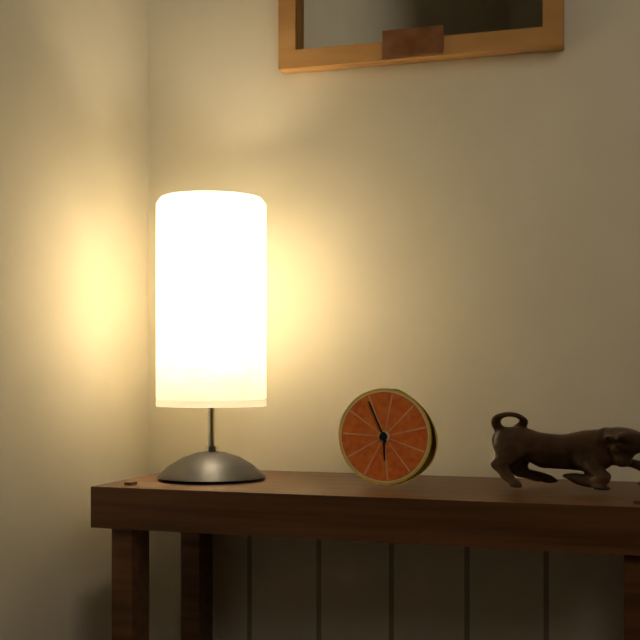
h=5 m=56
